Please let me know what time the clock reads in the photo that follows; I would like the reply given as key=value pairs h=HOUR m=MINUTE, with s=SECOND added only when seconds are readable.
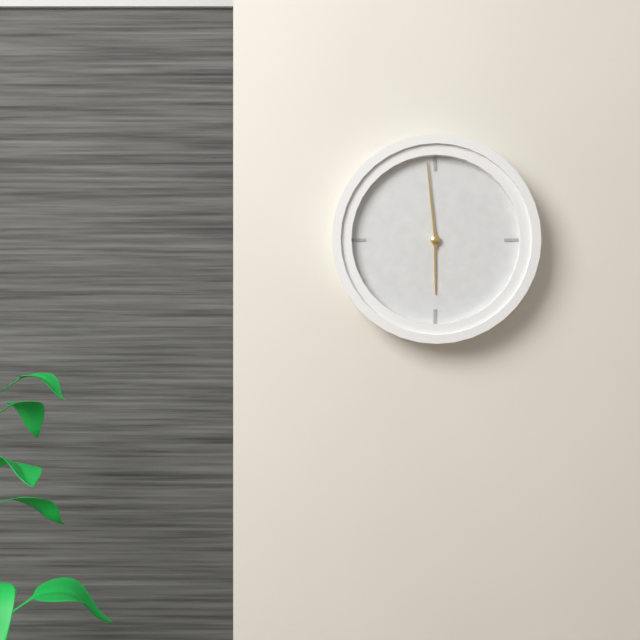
h=5 m=59
